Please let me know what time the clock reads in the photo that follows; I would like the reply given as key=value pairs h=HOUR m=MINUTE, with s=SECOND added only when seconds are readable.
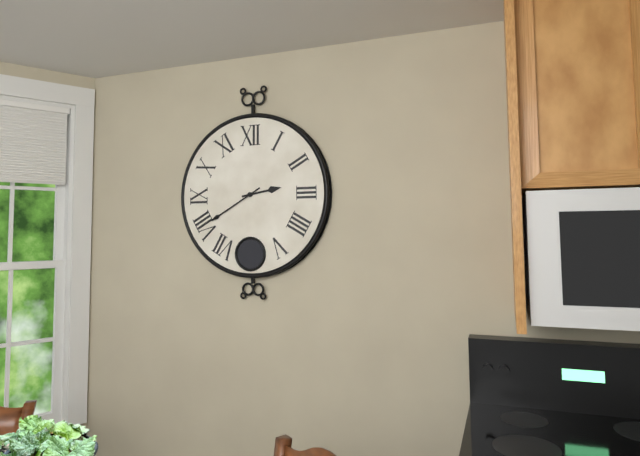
h=2 m=40
